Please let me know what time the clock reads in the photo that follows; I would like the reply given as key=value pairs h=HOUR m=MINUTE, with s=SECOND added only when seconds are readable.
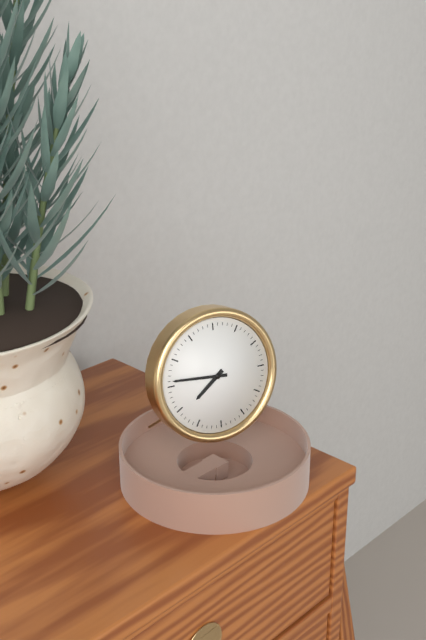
h=7 m=46
